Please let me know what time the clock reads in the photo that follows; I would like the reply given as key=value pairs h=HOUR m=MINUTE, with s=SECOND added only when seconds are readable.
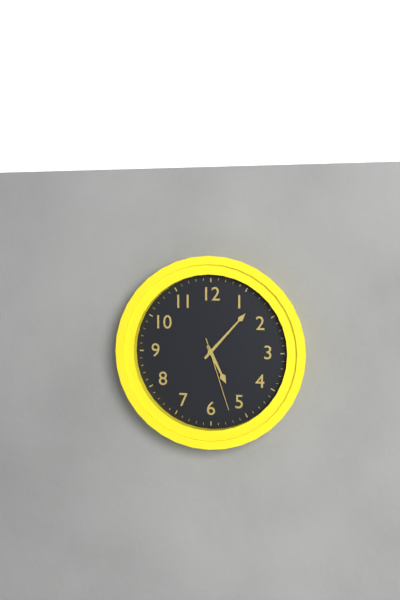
h=5 m=7 s=27
